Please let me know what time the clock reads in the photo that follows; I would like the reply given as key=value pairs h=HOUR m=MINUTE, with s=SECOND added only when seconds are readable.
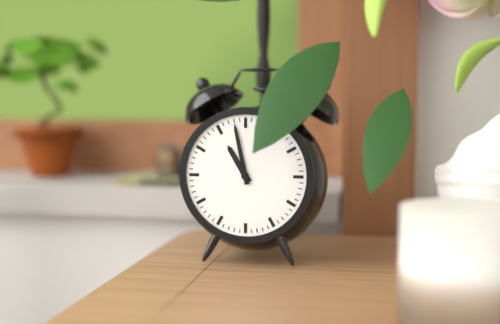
h=10 m=58
